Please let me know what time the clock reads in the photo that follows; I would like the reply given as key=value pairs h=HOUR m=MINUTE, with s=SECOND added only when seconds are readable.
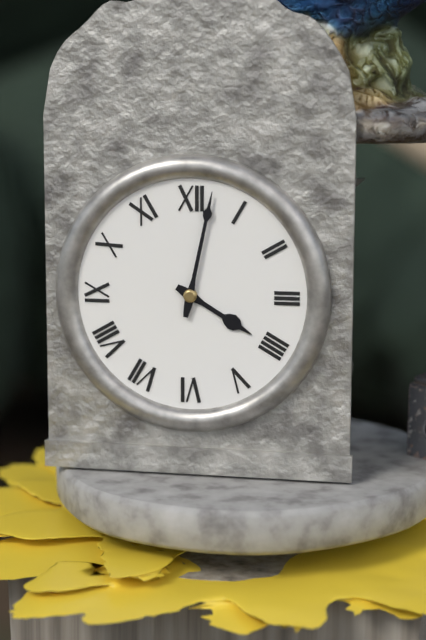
h=4 m=2
